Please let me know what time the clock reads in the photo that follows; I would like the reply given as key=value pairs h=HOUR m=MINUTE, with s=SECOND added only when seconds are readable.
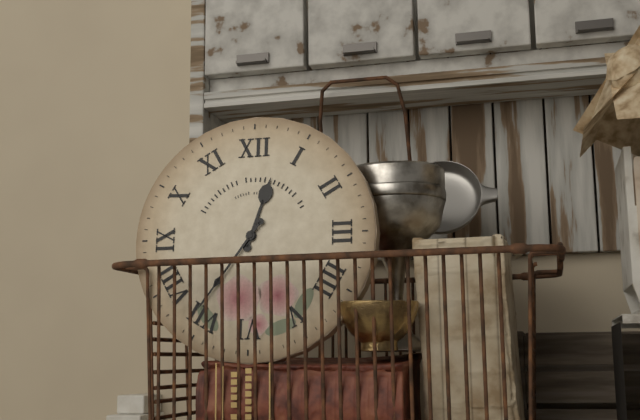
h=12 m=36
